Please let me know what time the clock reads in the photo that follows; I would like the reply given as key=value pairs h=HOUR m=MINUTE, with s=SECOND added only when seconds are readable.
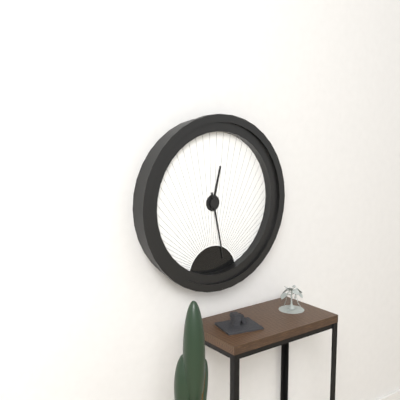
h=12 m=28
